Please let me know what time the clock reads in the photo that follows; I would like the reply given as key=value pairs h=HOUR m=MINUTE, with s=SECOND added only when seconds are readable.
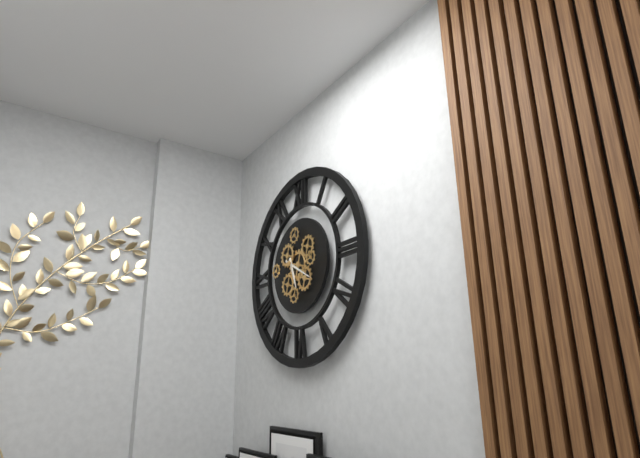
h=5 m=20
